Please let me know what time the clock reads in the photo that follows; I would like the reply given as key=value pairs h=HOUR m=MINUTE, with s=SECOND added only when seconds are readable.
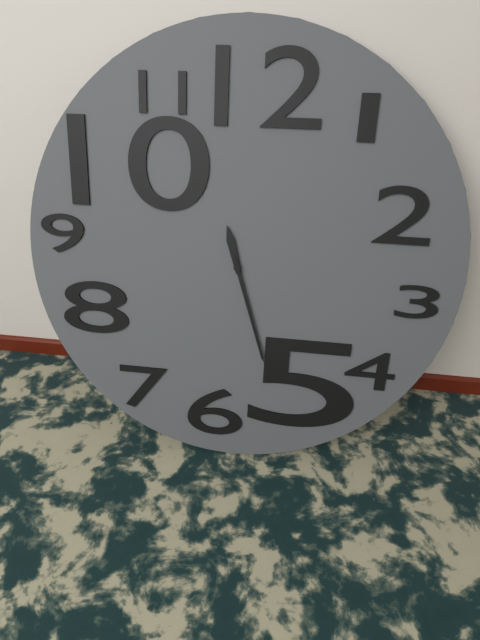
h=11 m=27
